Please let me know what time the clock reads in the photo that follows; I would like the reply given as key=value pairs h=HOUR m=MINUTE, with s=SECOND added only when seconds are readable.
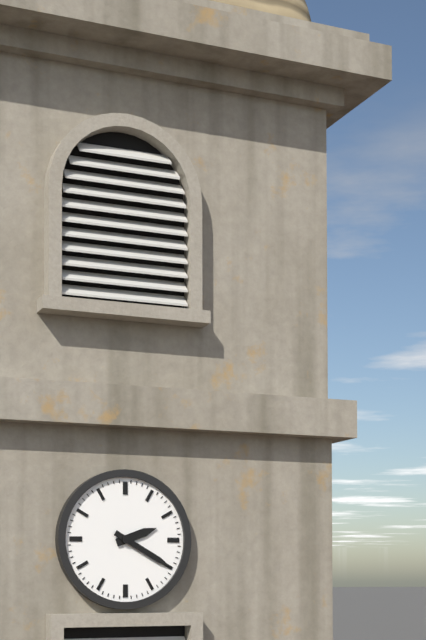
h=2 m=20
